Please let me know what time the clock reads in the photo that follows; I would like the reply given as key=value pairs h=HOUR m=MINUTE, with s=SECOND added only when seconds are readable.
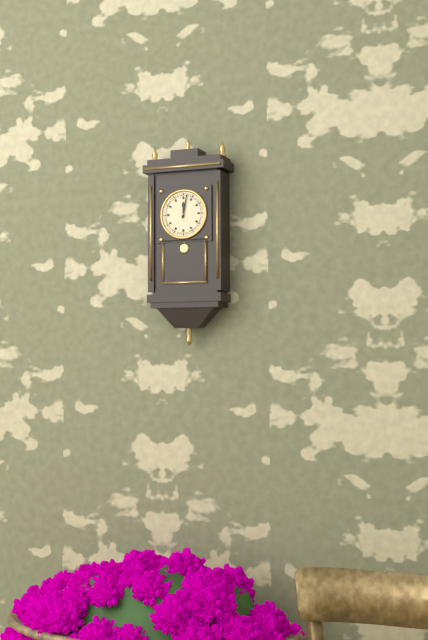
h=12 m=2
